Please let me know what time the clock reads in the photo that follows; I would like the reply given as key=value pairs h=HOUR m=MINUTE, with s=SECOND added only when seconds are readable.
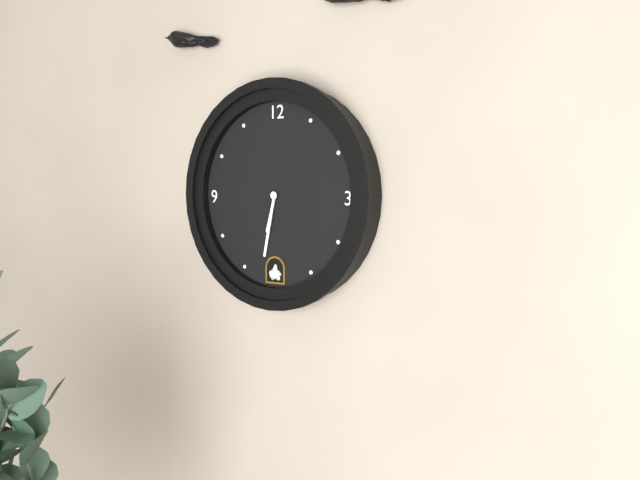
h=6 m=32
